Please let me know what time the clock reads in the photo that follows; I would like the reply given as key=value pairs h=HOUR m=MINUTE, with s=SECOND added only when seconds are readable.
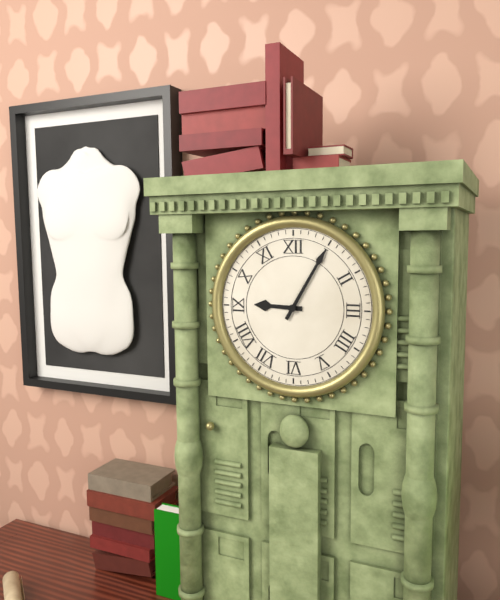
h=9 m=5
